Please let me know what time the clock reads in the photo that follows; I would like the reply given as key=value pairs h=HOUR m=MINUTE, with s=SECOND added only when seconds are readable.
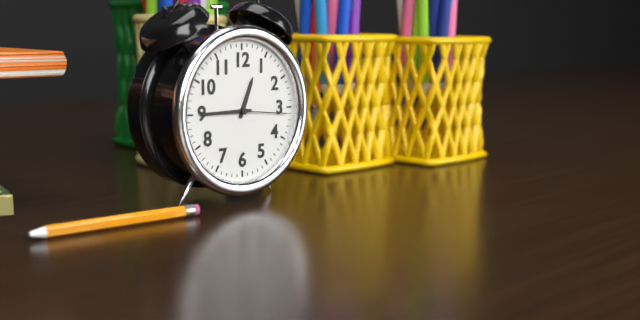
h=12 m=45 s=16
